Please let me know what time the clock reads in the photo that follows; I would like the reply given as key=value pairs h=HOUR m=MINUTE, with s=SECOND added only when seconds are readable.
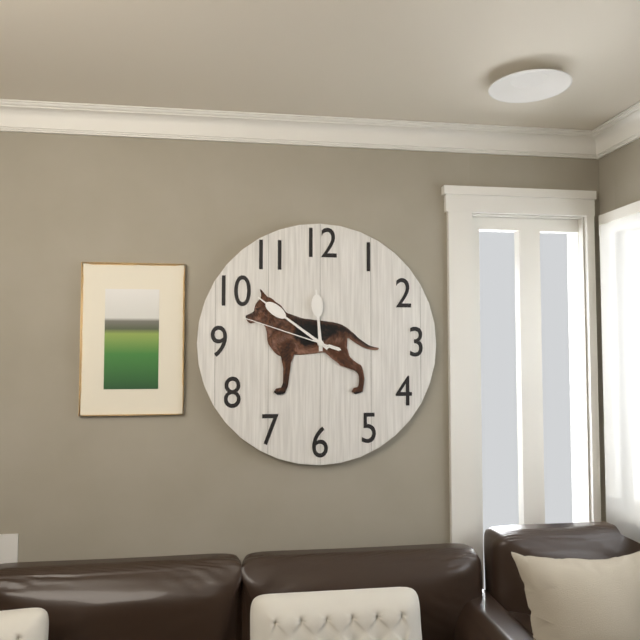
h=11 m=51 s=48
